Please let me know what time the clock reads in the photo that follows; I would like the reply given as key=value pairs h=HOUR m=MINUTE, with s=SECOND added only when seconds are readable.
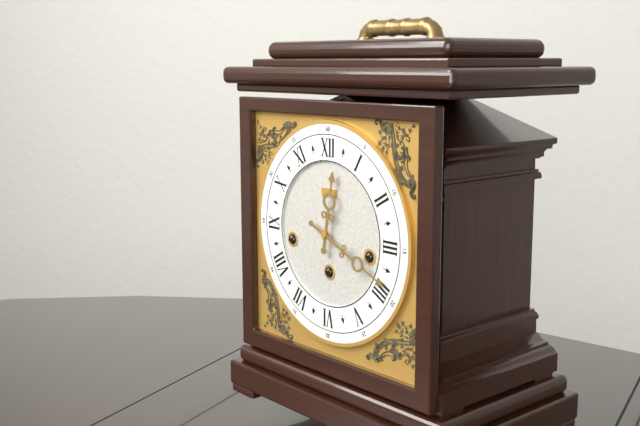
h=12 m=19
